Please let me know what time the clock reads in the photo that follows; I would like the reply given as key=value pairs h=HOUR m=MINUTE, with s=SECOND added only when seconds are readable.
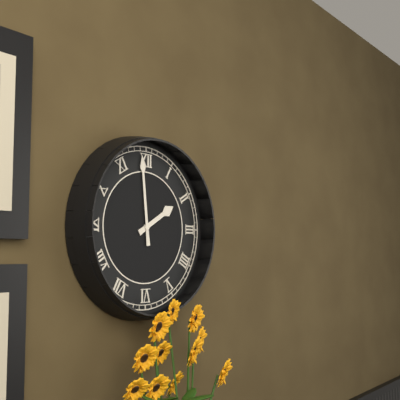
h=1 m=59
